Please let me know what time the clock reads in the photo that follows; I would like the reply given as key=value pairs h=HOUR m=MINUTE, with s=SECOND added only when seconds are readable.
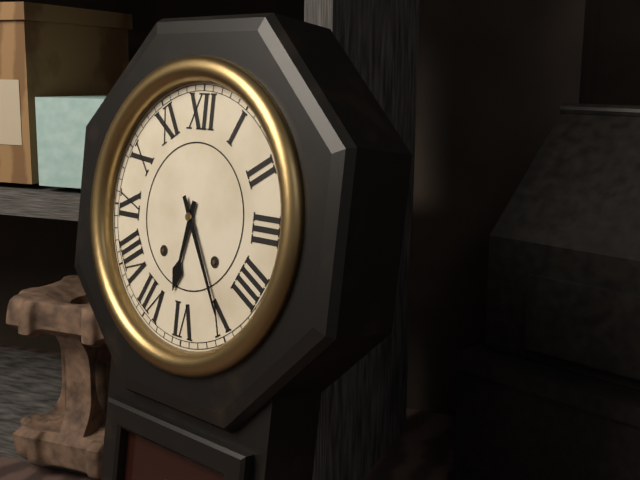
h=6 m=25
